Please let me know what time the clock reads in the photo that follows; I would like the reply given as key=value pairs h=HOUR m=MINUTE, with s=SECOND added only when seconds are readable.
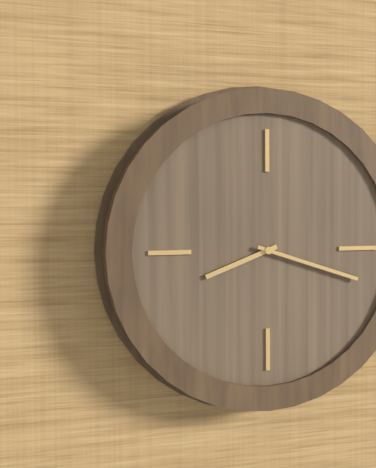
h=8 m=18
